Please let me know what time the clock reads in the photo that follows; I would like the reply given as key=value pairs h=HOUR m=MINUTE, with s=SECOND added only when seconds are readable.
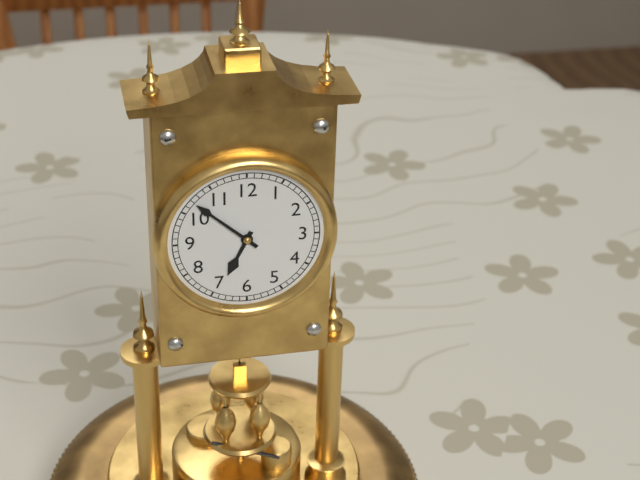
h=6 m=52
